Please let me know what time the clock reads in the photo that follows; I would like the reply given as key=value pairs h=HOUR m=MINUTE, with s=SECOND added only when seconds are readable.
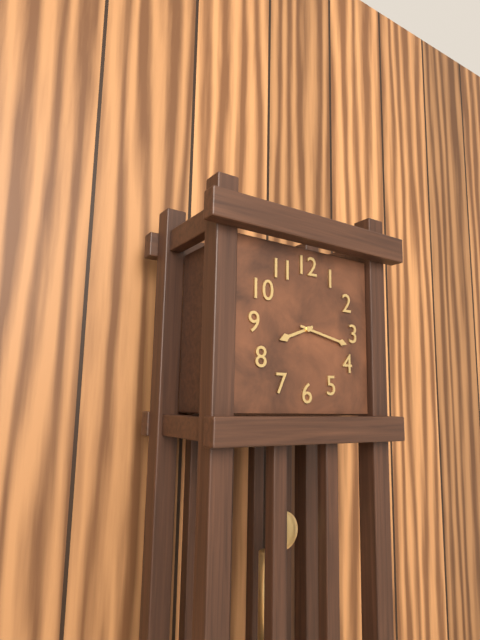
h=8 m=17
